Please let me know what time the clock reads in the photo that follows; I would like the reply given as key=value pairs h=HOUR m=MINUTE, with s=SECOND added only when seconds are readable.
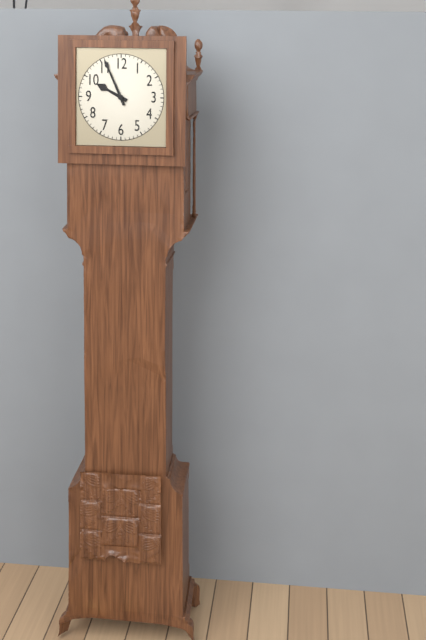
h=9 m=56
